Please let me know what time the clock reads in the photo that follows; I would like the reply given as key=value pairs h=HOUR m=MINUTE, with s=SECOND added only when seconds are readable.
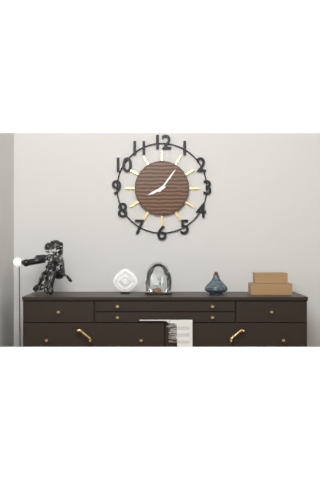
h=8 m=6
